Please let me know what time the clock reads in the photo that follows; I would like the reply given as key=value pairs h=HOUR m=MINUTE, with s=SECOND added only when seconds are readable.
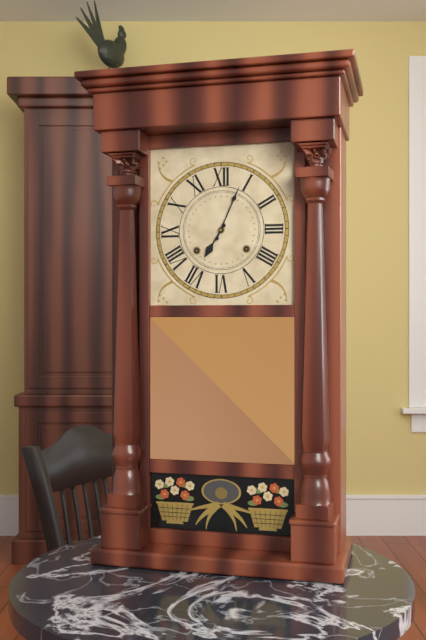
h=7 m=4
